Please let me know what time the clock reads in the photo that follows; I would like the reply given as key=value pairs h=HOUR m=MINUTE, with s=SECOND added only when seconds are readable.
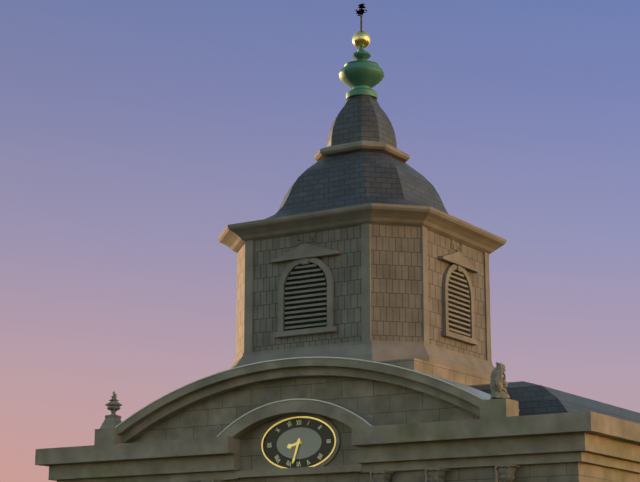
h=8 m=33
